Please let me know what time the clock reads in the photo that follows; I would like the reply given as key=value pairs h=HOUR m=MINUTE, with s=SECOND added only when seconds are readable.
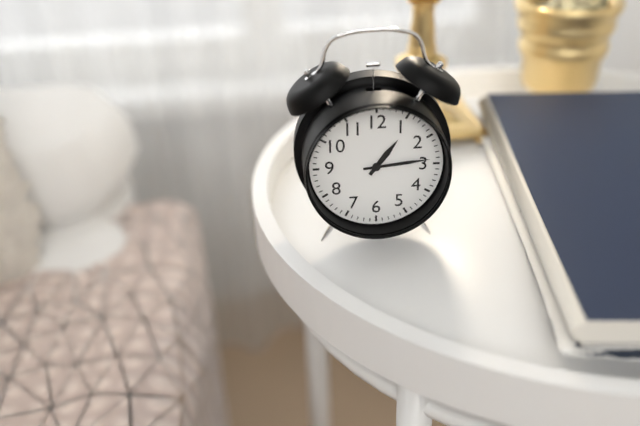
h=1 m=14
